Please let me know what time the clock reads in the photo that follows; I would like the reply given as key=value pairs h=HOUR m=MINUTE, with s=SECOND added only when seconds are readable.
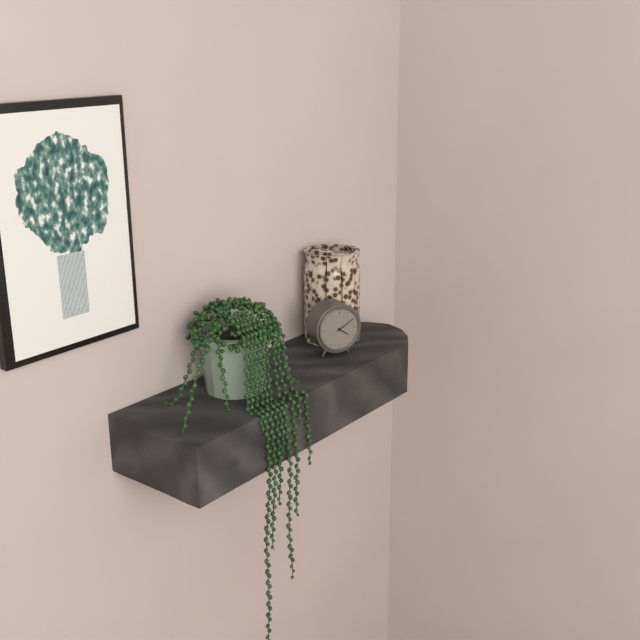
h=4 m=10
